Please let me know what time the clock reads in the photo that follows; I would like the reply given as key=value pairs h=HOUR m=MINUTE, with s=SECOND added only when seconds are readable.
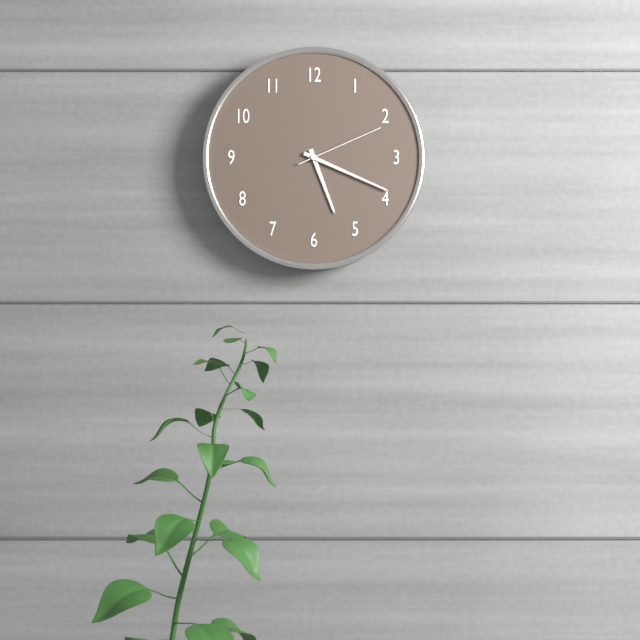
h=5 m=19 s=11
